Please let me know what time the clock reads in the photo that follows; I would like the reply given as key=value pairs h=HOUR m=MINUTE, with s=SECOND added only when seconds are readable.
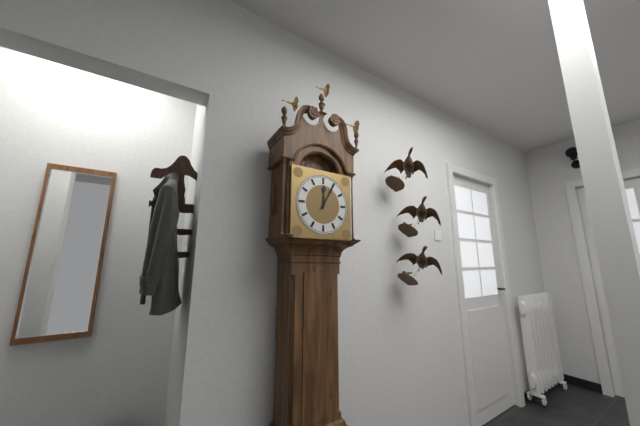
h=12 m=5
